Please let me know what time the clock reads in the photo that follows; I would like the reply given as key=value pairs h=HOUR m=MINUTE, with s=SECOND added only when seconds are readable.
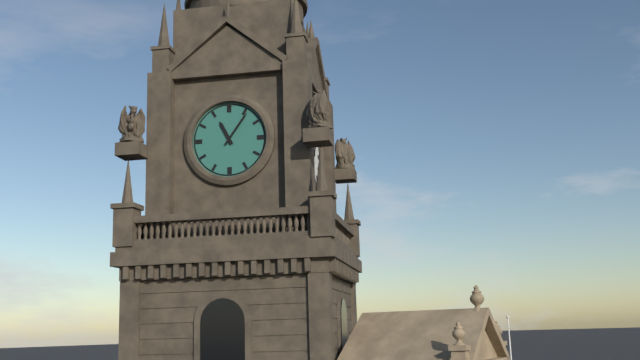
h=11 m=6
